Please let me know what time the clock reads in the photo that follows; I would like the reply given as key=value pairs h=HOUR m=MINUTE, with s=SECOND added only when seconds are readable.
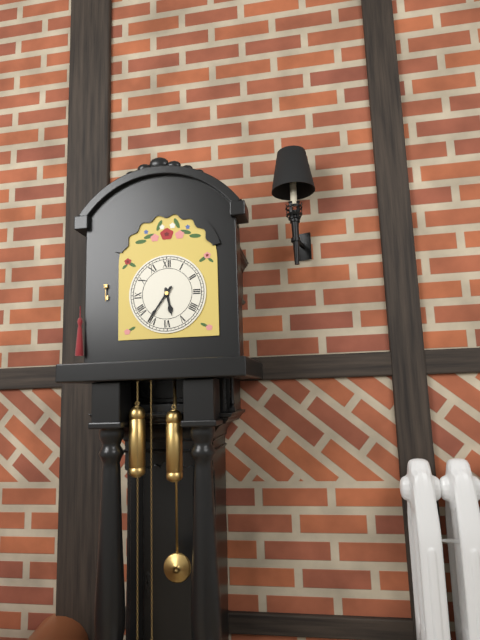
h=5 m=36
